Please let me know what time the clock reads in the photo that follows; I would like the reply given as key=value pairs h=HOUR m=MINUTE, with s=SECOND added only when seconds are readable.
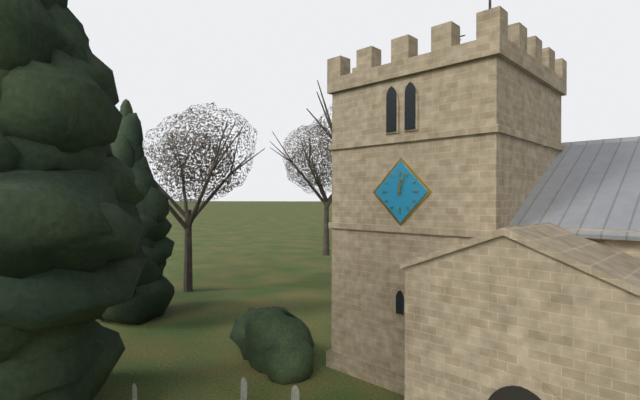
h=12 m=3
